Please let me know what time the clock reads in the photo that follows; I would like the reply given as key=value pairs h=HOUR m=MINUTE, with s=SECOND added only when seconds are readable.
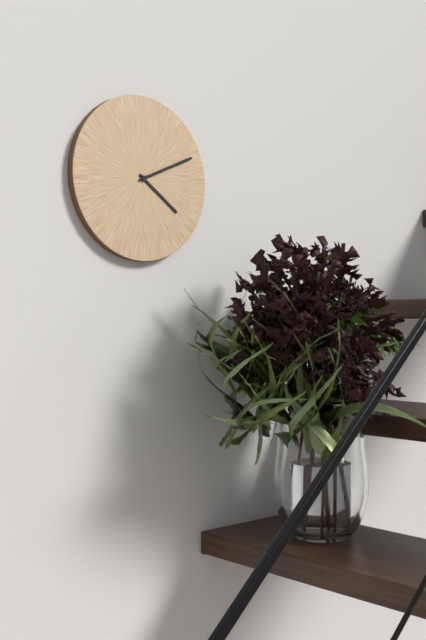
h=4 m=11
